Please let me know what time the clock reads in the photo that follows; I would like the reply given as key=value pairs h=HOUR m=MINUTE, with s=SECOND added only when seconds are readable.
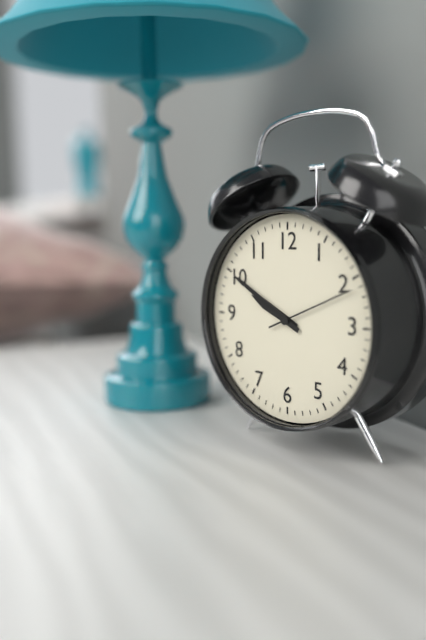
h=9 m=50 s=11
